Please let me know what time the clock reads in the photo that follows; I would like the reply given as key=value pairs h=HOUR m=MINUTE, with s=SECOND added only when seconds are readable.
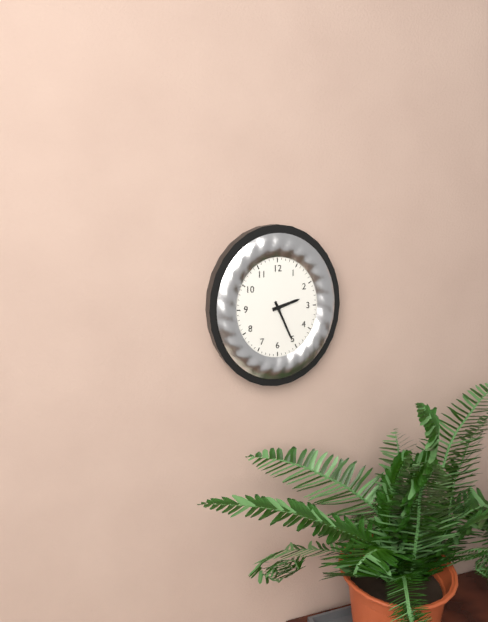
h=2 m=26
